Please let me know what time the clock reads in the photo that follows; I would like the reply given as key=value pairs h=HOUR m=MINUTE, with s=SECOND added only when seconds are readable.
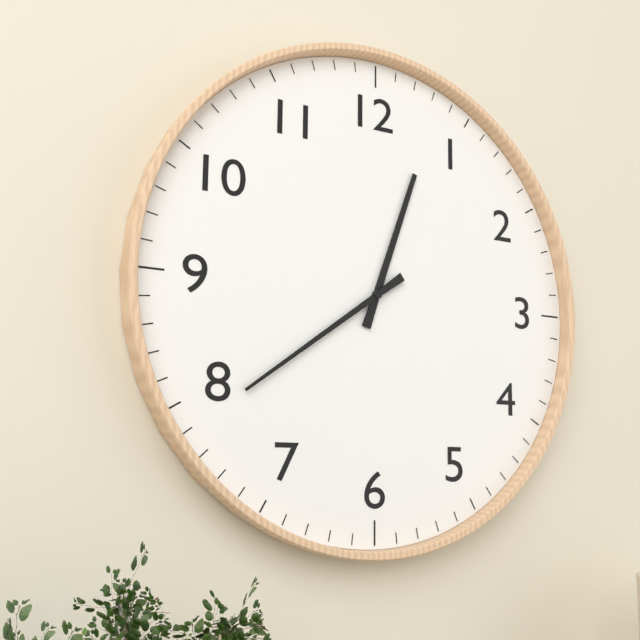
h=12 m=39
